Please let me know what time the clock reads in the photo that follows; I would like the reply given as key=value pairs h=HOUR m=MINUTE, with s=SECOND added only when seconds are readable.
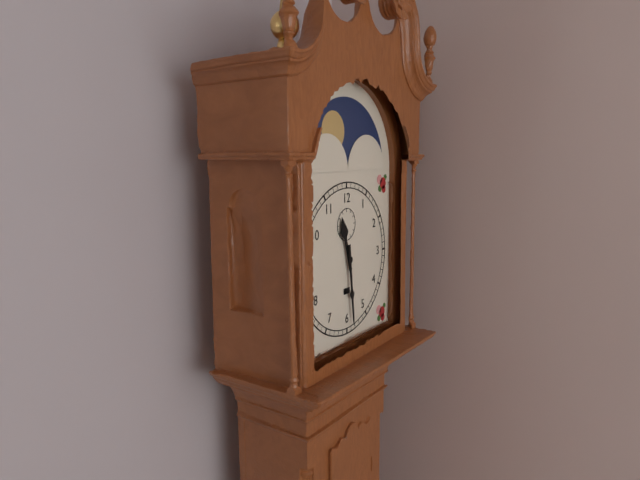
h=11 m=29
